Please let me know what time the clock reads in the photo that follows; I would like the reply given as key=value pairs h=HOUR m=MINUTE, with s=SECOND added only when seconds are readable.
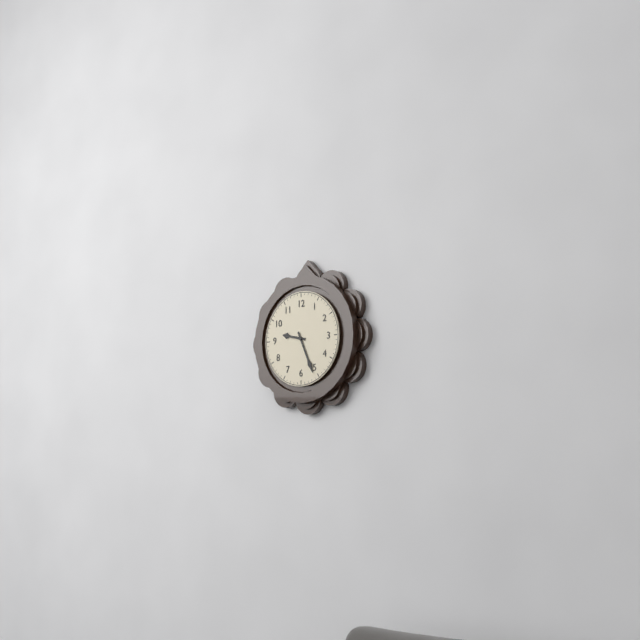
h=9 m=26
